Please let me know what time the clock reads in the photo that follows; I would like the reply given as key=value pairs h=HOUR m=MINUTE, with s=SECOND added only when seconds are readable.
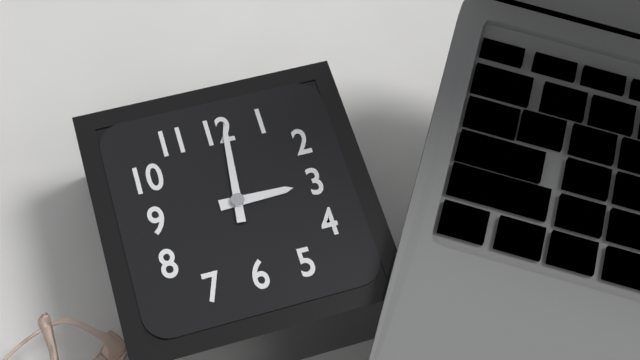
h=3 m=1
